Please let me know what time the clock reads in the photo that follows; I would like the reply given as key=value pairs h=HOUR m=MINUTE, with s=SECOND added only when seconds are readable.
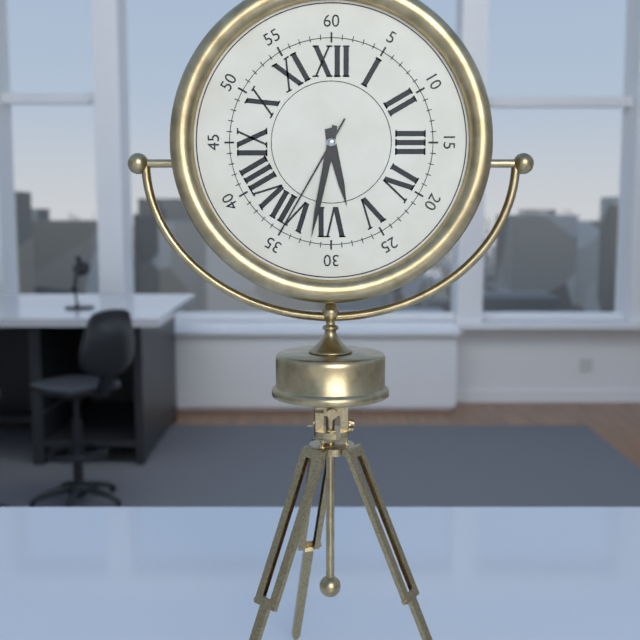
h=5 m=32 s=35
